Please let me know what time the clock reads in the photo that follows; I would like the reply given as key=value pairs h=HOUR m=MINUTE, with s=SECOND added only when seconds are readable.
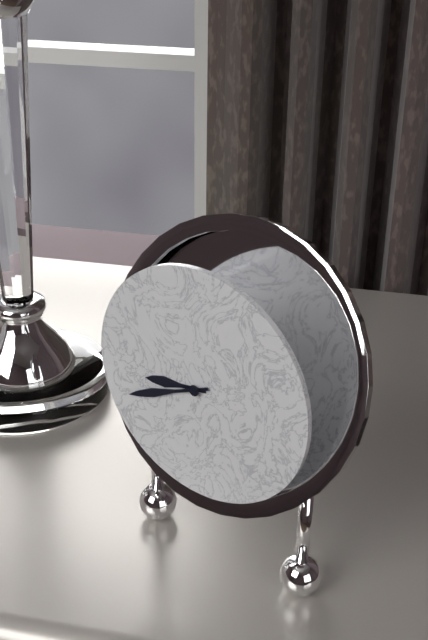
h=8 m=41
